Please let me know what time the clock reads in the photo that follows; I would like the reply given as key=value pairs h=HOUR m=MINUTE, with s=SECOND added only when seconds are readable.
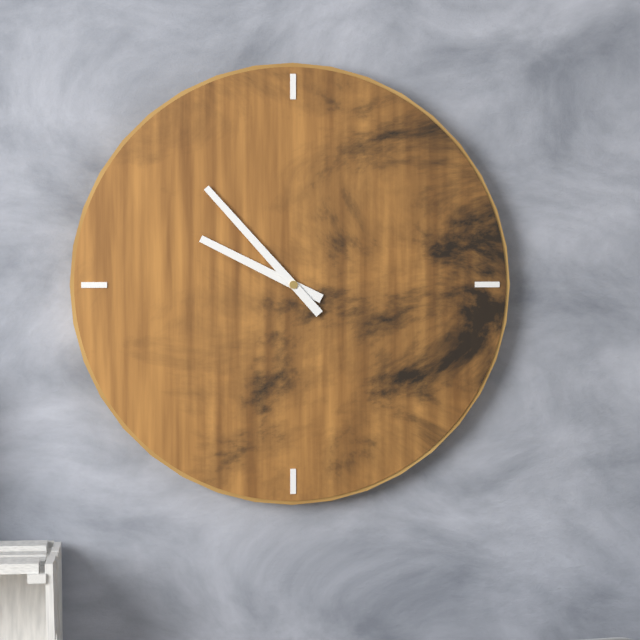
h=9 m=53
